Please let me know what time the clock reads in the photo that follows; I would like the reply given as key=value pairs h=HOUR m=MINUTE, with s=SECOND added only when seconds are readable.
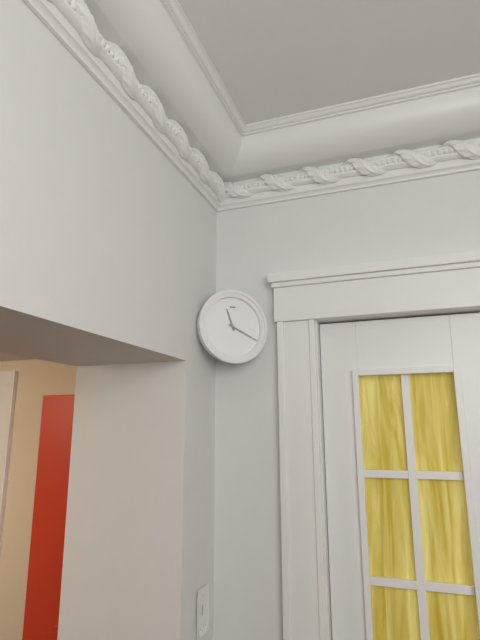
h=11 m=19
